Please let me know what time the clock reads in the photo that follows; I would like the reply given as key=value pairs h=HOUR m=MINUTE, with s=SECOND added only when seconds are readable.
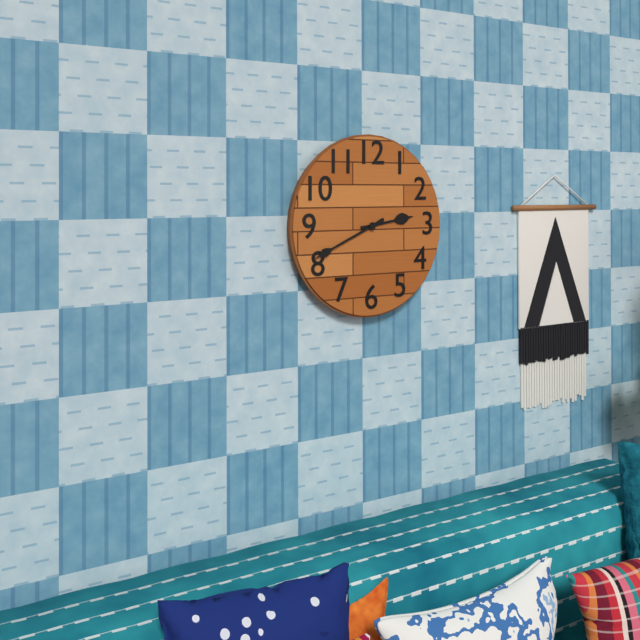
h=2 m=41
